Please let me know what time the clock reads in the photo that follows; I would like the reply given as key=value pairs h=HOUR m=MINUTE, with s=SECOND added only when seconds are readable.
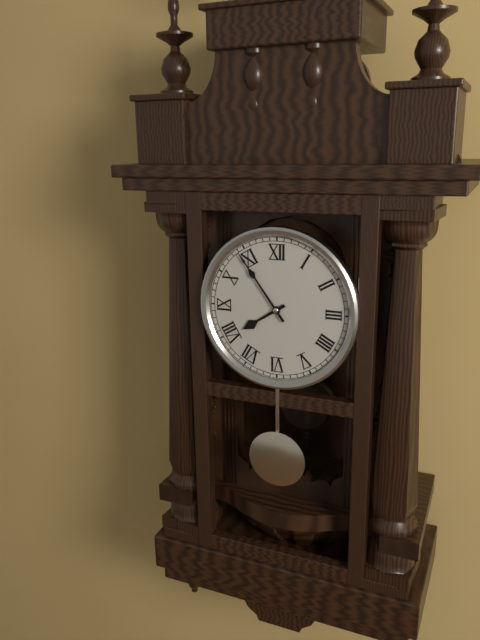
h=7 m=54
